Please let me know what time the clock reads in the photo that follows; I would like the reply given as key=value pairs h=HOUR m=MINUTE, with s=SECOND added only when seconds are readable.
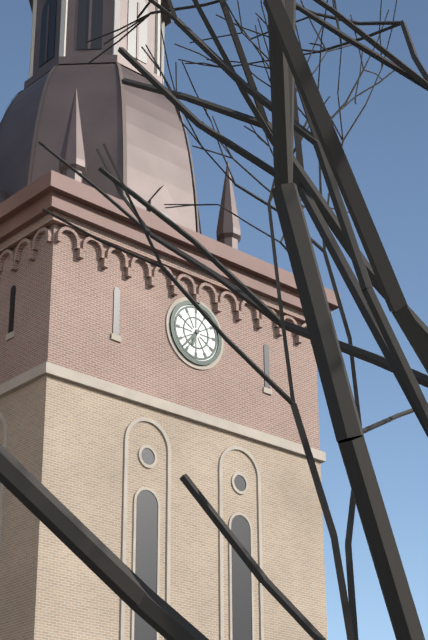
h=6 m=37
